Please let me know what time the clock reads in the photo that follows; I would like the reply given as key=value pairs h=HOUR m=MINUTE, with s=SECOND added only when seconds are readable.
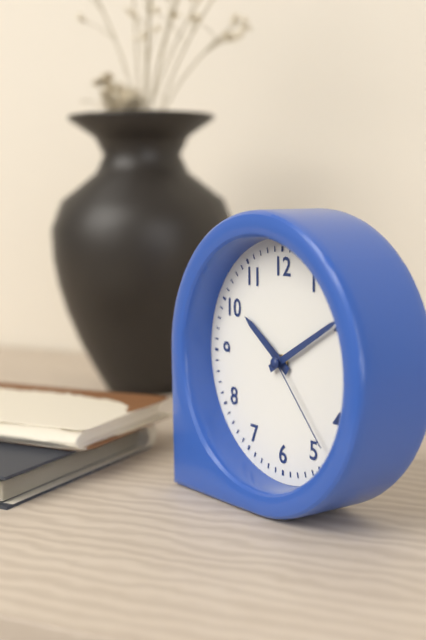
h=10 m=10 s=23
